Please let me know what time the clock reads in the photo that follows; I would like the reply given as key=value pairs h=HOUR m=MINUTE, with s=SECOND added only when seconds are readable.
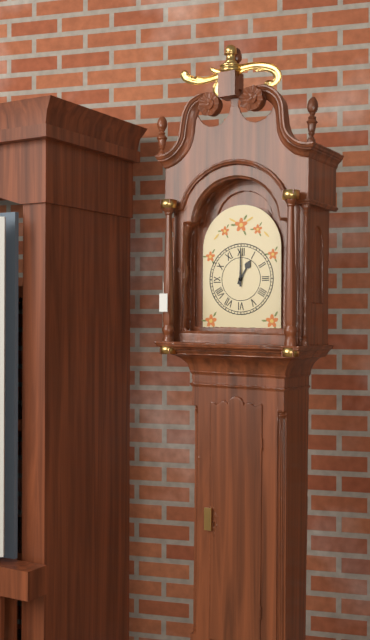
h=1 m=0
